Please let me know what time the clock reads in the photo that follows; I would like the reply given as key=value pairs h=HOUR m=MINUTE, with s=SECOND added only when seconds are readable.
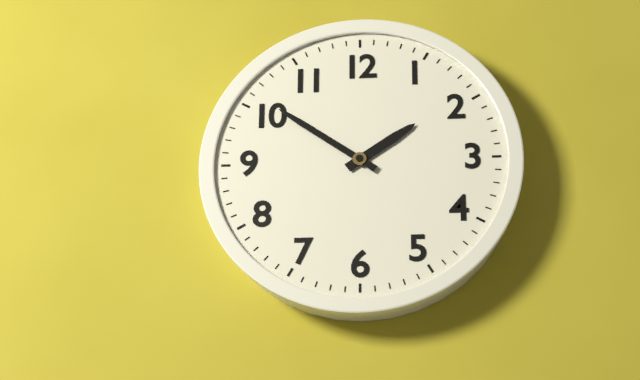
h=1 m=51
